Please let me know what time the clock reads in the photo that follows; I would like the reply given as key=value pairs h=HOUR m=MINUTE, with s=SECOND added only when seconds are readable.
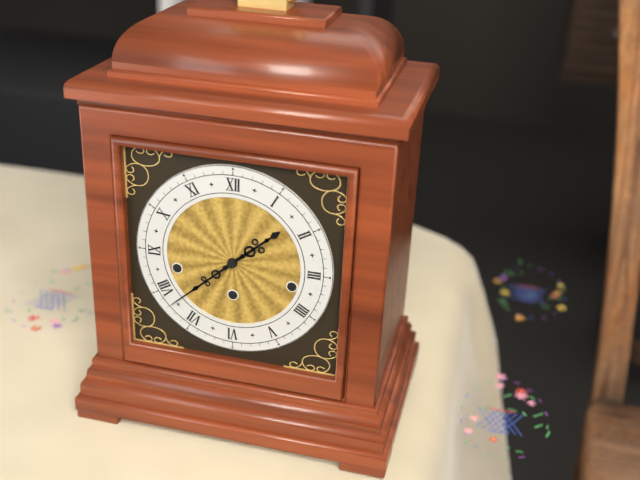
h=1 m=38
